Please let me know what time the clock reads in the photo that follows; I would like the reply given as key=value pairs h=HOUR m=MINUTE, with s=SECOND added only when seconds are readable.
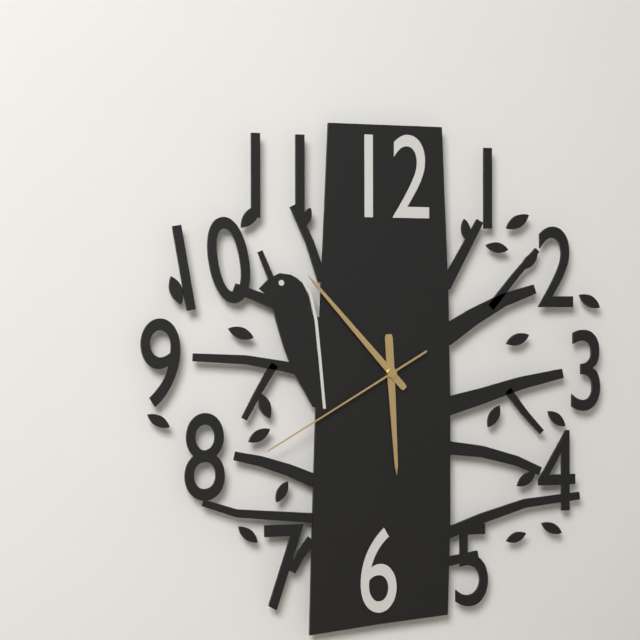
h=5 m=53 s=40
